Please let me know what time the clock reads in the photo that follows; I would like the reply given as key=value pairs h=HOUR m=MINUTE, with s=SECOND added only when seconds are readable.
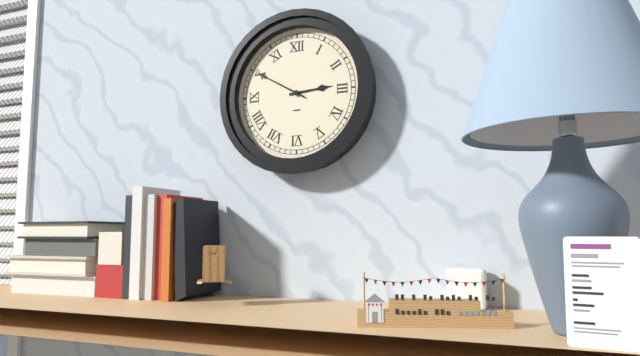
h=2 m=50
